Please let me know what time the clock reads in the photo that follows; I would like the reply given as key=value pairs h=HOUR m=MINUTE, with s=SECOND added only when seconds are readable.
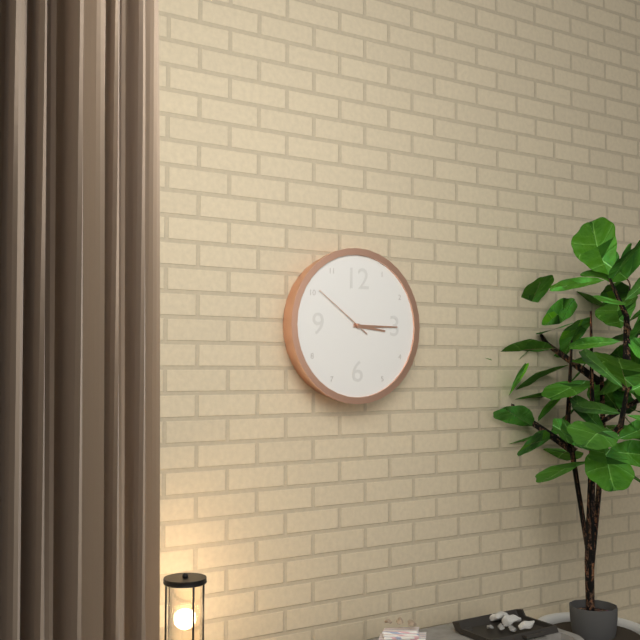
h=3 m=15 s=51
